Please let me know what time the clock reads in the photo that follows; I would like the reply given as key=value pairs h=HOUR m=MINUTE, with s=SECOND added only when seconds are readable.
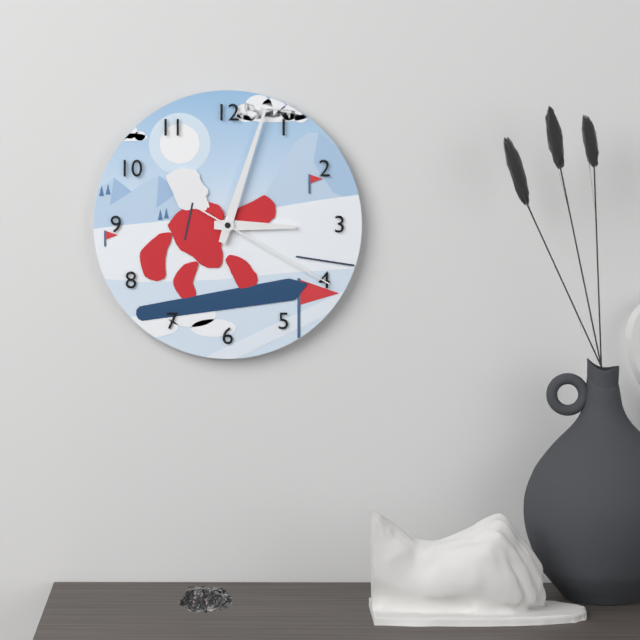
h=3 m=3 s=20
